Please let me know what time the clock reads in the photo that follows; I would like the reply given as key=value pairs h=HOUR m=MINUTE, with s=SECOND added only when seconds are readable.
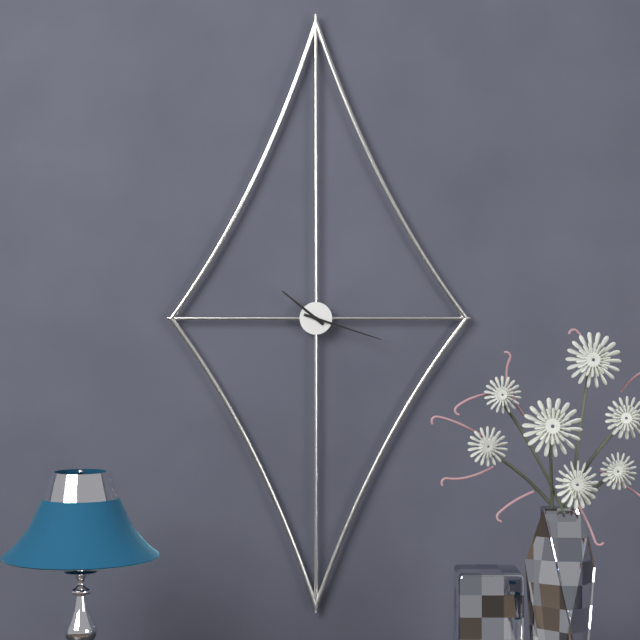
h=10 m=18
